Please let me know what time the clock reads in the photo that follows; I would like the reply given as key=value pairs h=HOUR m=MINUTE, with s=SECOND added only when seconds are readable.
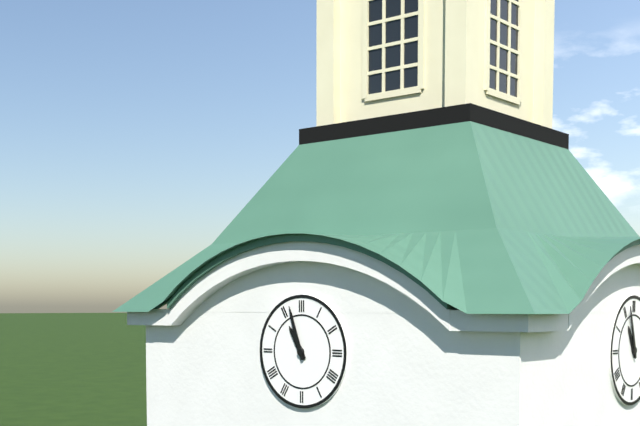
h=10 m=57
